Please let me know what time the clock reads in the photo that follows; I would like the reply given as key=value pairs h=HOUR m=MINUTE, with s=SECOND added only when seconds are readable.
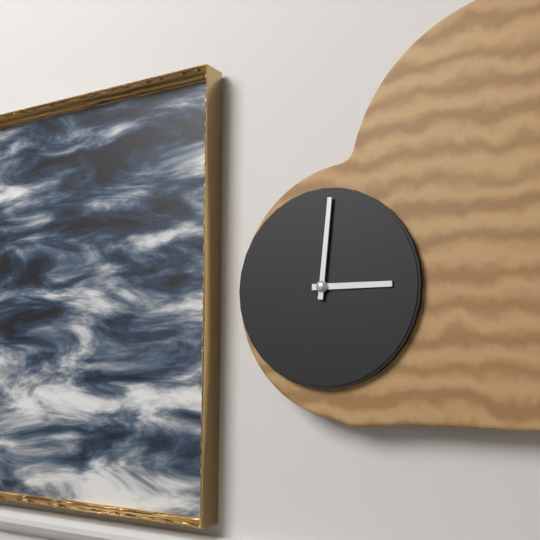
h=3 m=1
